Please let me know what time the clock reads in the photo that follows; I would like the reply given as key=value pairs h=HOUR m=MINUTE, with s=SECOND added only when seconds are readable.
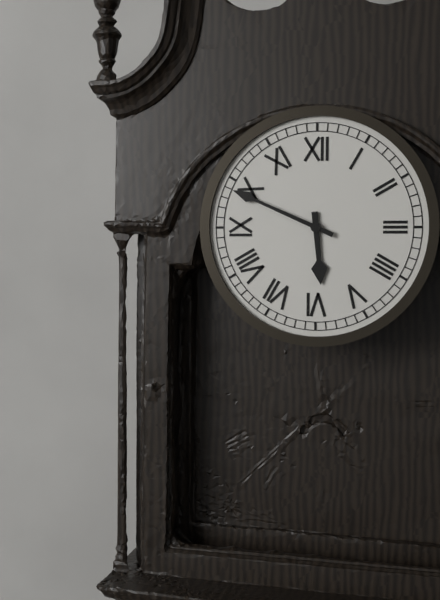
h=5 m=49
